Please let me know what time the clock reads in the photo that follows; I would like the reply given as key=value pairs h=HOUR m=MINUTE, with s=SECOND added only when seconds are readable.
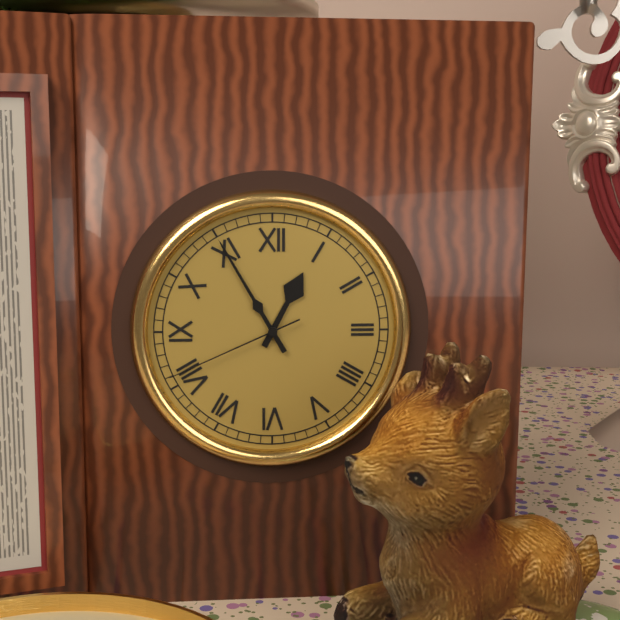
h=12 m=55 s=41
